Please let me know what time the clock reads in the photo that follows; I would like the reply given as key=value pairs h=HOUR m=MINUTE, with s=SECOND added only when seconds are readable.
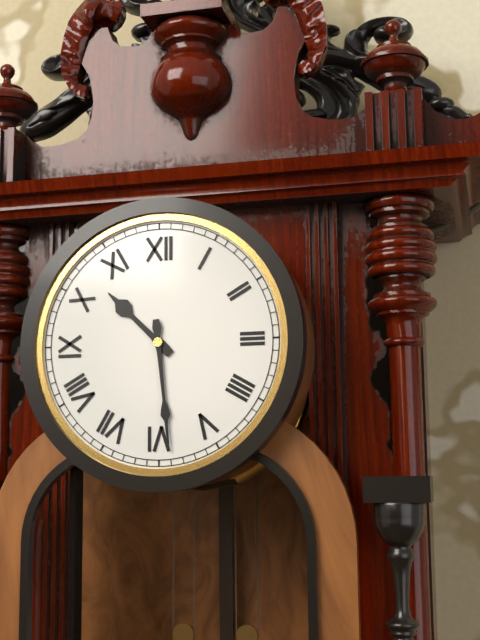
h=10 m=29
